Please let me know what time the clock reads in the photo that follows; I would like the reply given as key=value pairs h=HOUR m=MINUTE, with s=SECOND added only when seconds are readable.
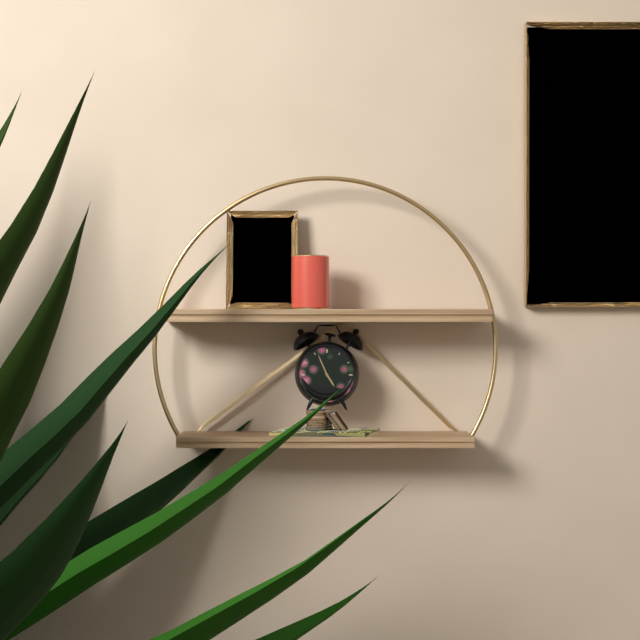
h=4 m=56
